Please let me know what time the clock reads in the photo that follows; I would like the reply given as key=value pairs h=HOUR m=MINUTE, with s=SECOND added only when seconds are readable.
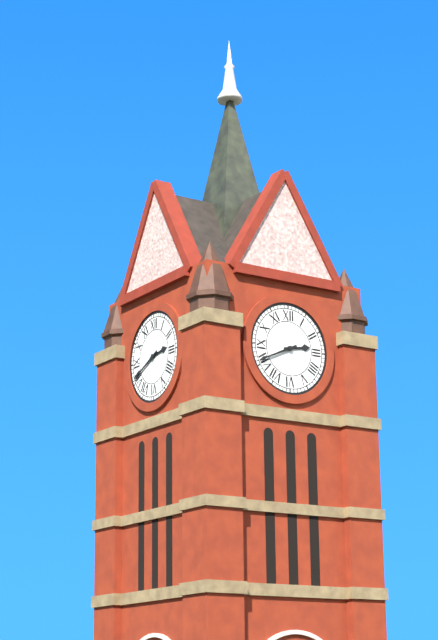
h=2 m=41
